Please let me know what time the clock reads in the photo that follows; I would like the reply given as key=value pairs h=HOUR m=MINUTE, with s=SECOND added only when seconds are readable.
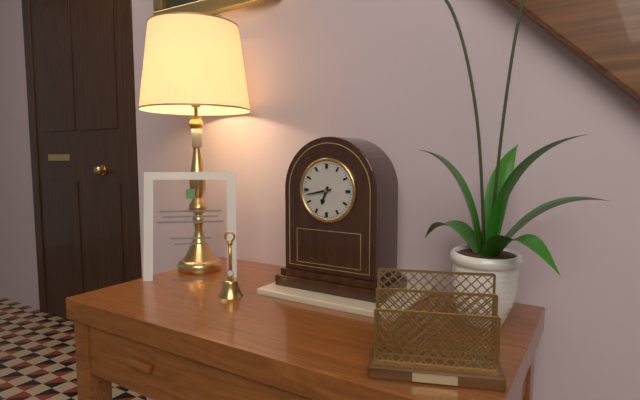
h=6 m=43
